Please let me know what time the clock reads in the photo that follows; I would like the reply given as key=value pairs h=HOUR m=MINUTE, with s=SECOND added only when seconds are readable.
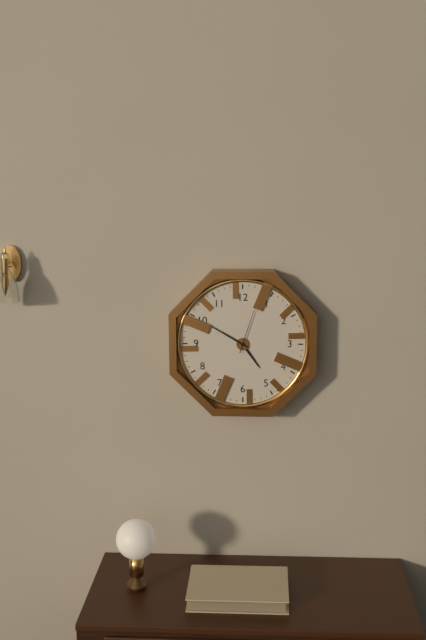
h=4 m=50
